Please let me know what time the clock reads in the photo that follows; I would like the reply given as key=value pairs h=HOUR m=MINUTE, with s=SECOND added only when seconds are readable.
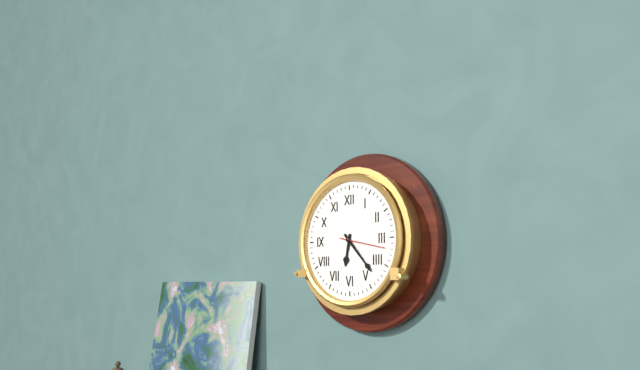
h=6 m=23
